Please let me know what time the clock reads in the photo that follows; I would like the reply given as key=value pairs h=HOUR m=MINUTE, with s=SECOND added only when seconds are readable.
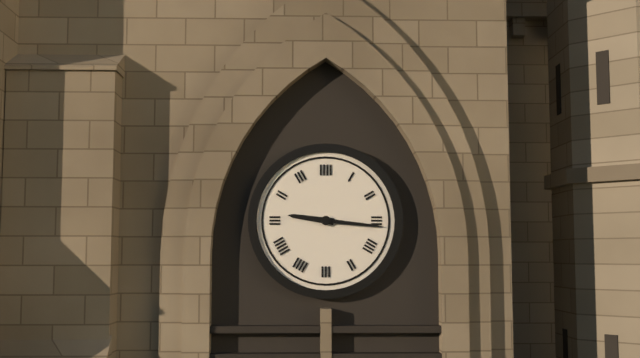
h=9 m=16
